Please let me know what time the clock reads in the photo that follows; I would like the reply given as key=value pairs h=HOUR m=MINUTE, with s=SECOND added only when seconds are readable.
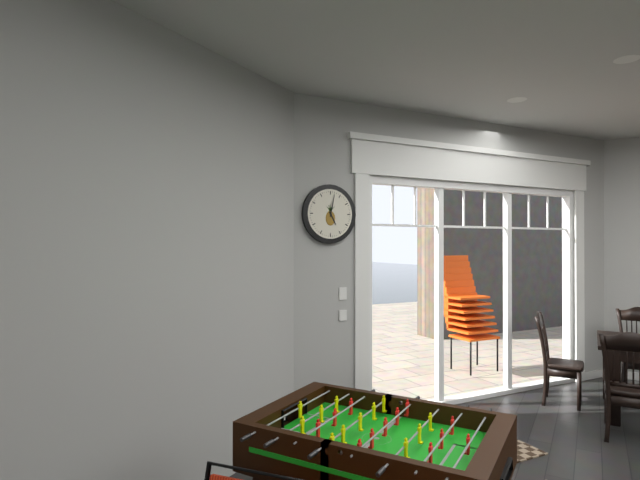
h=5 m=2
